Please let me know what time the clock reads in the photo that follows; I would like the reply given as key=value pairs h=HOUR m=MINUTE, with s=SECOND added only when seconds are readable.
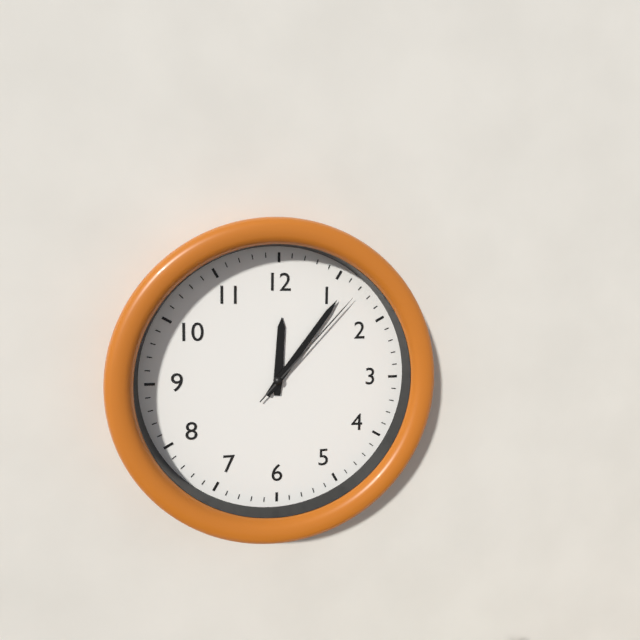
h=12 m=6 s=7
